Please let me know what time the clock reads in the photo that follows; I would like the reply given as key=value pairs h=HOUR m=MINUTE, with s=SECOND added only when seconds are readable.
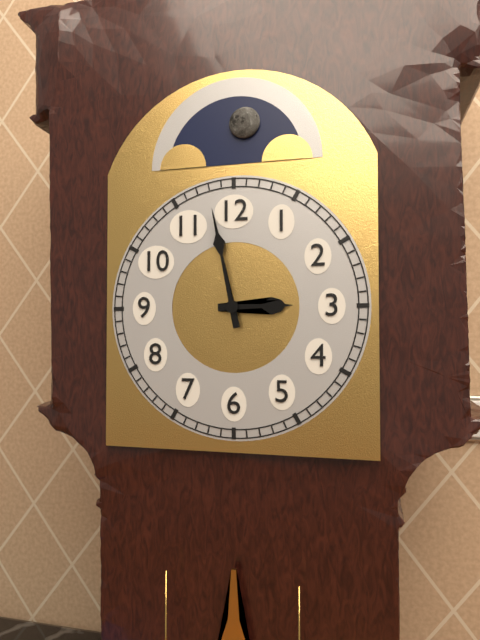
h=2 m=58
